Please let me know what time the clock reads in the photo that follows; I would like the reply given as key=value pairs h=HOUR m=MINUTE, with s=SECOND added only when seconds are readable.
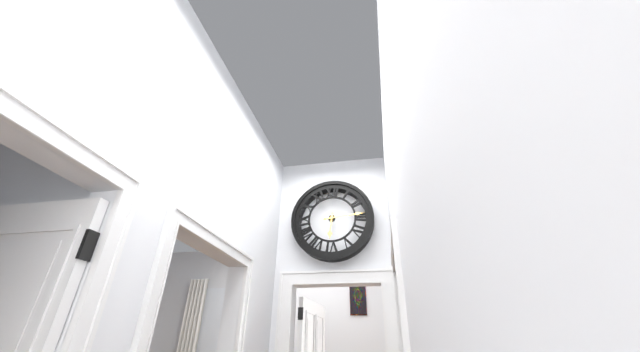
h=6 m=14
